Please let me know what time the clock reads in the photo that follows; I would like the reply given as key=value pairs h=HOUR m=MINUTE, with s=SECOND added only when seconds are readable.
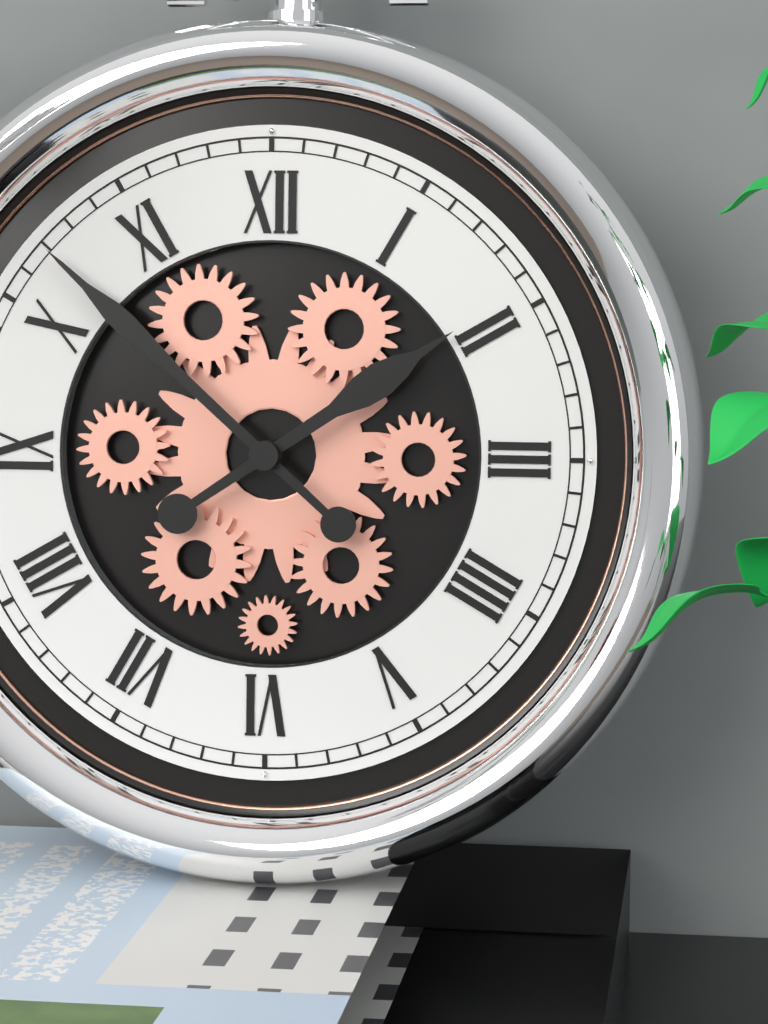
h=1 m=52
